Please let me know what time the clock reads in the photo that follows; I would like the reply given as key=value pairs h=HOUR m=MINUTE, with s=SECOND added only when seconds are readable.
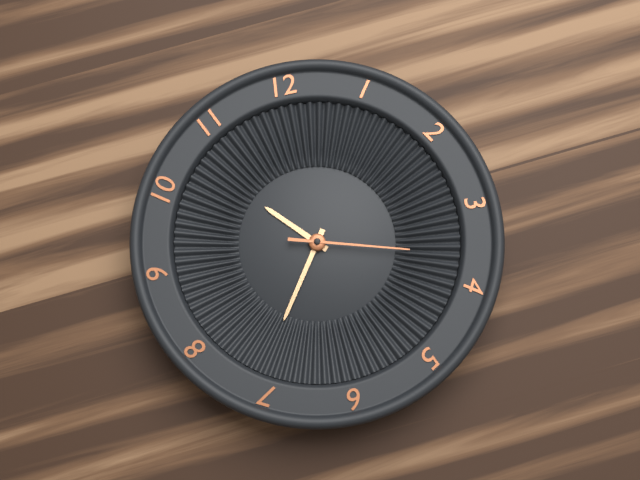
h=10 m=36 s=18
